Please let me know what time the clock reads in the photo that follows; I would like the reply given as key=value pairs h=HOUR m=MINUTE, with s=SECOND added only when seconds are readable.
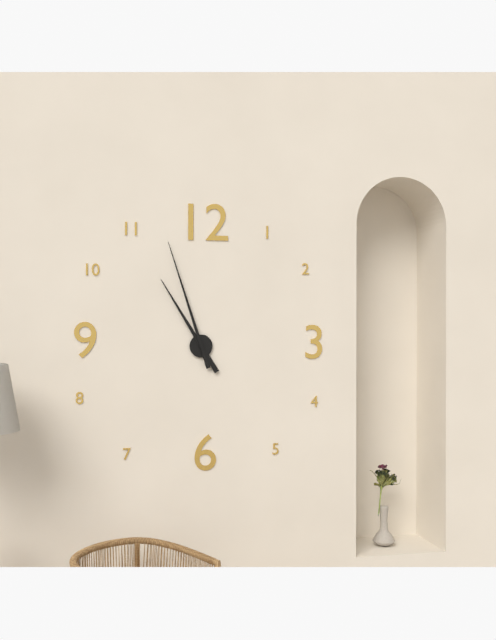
h=10 m=57
